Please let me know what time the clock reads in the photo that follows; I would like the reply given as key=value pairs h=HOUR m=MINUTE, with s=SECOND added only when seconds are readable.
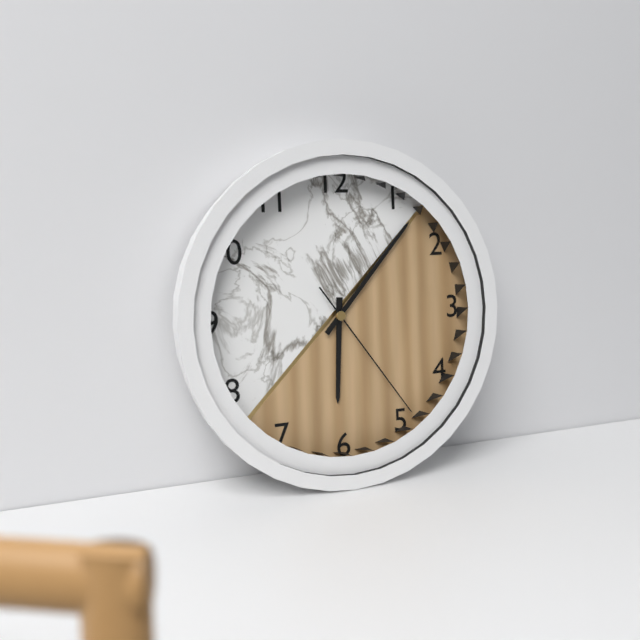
h=6 m=7 s=24
